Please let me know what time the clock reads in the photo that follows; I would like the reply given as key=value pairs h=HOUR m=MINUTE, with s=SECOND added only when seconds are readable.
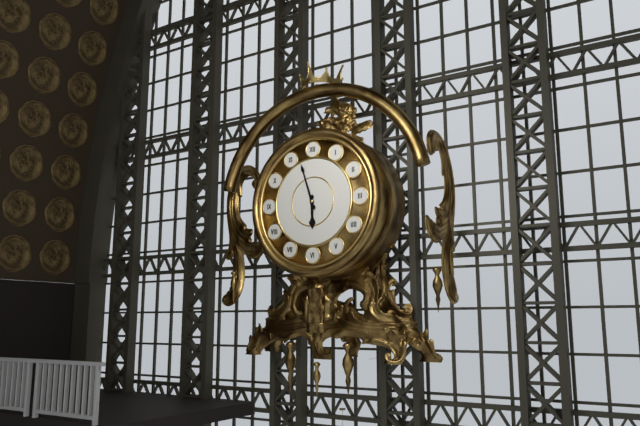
h=5 m=57
